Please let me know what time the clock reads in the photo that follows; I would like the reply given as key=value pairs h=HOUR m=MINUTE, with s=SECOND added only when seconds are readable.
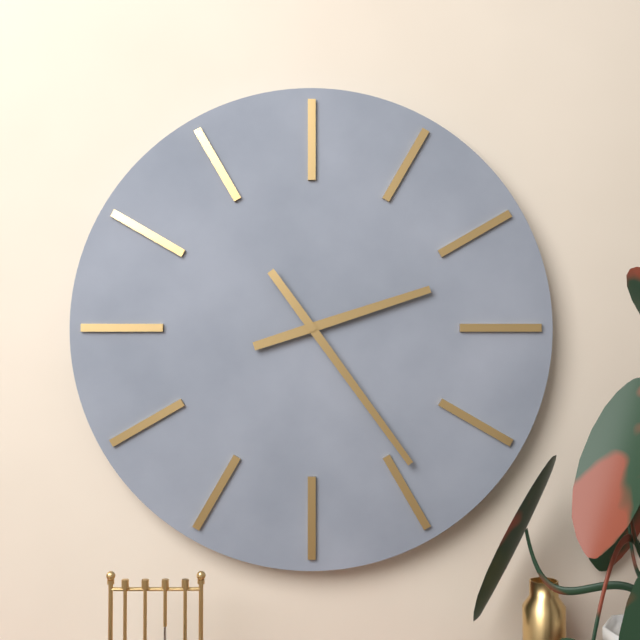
h=2 m=24
